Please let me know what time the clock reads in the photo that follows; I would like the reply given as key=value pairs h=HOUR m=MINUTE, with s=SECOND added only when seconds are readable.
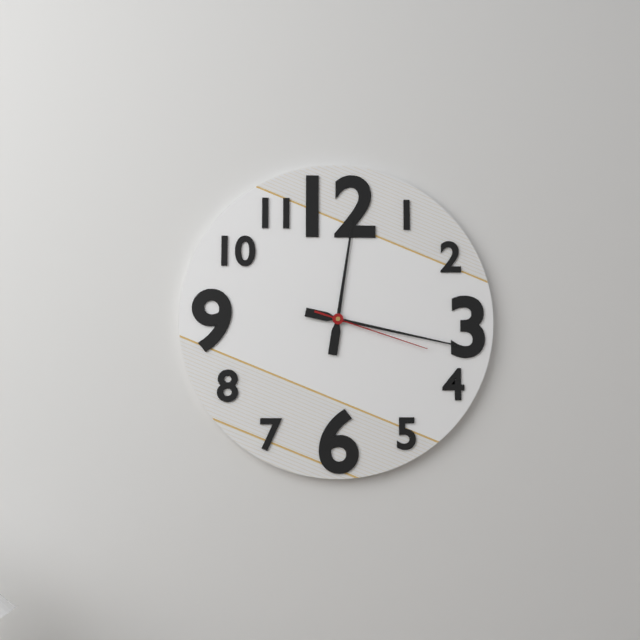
h=12 m=17 s=18
